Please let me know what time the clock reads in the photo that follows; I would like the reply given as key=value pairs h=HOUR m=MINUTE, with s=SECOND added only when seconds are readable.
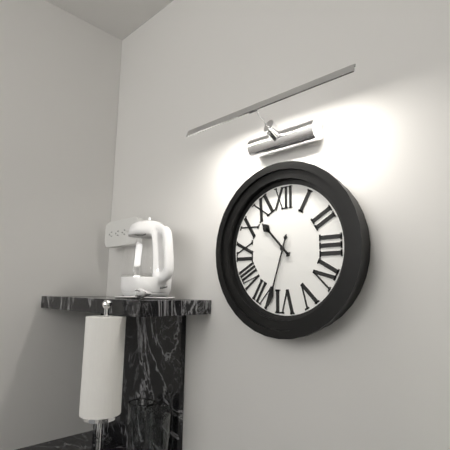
h=10 m=33
